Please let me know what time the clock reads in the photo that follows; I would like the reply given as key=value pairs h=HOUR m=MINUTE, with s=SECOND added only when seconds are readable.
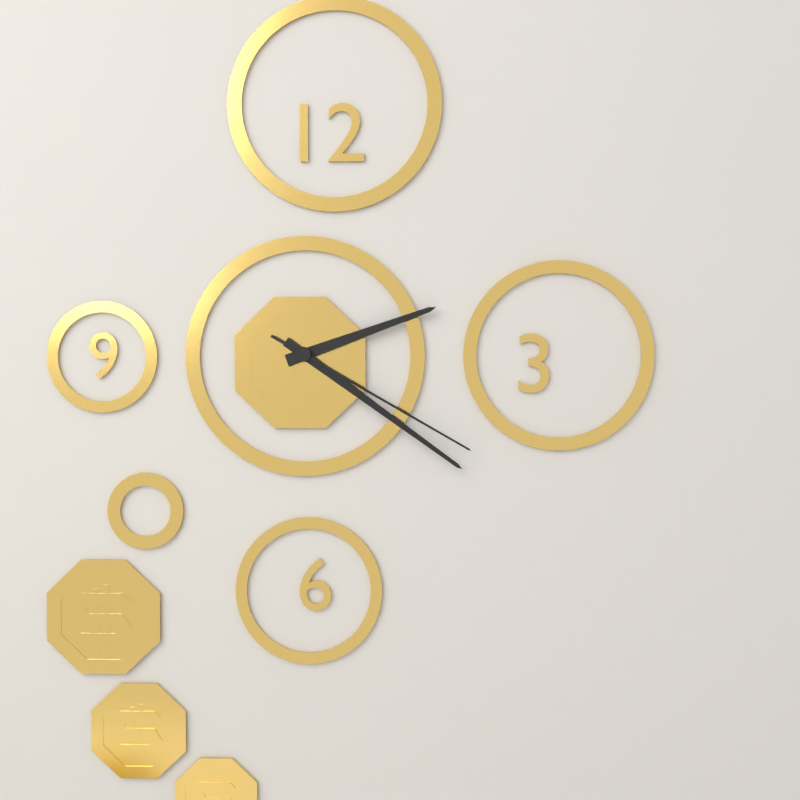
h=2 m=21 s=20
